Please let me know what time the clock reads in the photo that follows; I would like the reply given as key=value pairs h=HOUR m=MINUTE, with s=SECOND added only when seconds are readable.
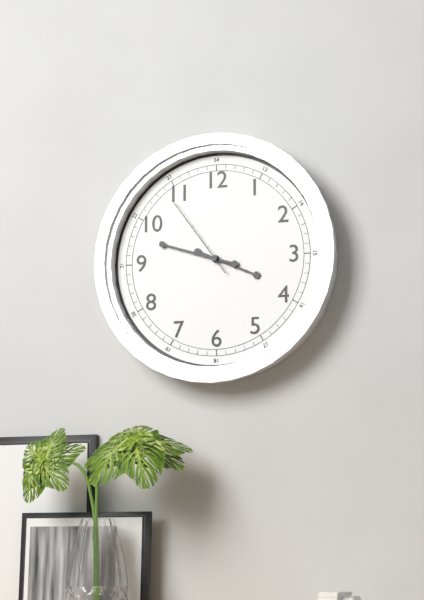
h=3 m=48 s=54
